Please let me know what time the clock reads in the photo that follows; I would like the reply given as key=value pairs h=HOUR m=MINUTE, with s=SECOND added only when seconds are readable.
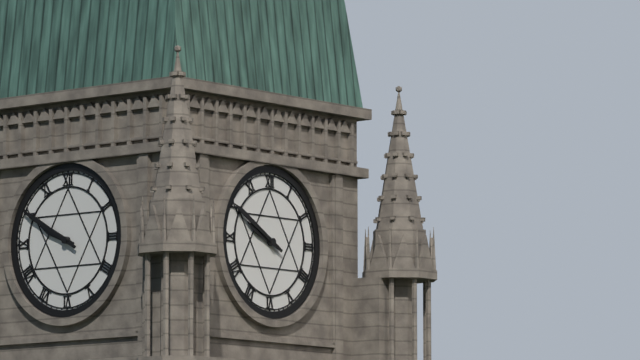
h=9 m=50
